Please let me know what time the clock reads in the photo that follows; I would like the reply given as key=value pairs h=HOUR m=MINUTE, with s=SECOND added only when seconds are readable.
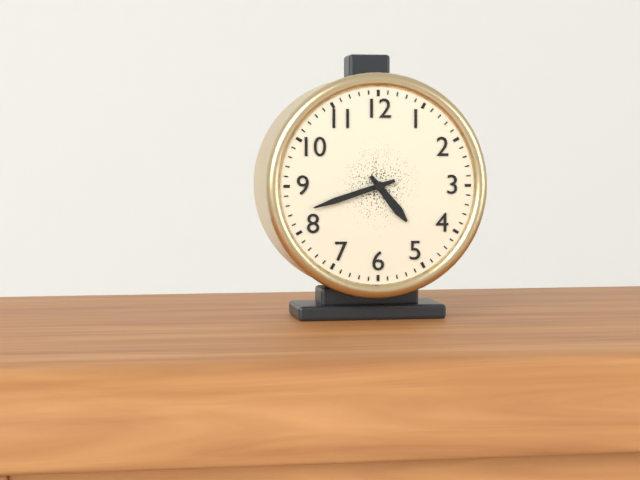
h=4 m=42
